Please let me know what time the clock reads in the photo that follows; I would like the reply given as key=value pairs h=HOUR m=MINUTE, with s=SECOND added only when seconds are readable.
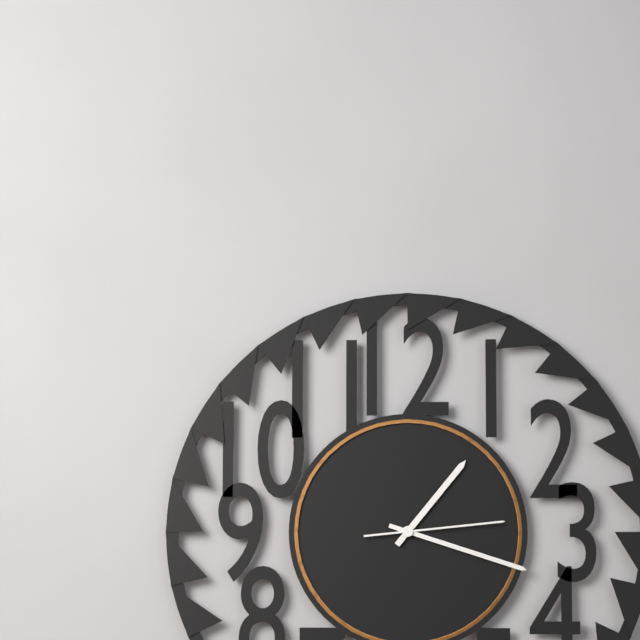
h=1 m=18 s=14
